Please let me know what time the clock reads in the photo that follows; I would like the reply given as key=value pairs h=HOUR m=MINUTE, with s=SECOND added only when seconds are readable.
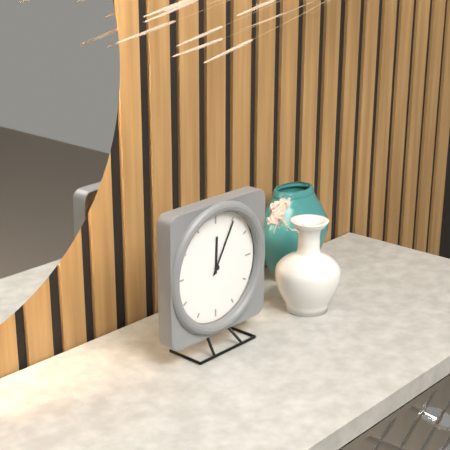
h=12 m=5
